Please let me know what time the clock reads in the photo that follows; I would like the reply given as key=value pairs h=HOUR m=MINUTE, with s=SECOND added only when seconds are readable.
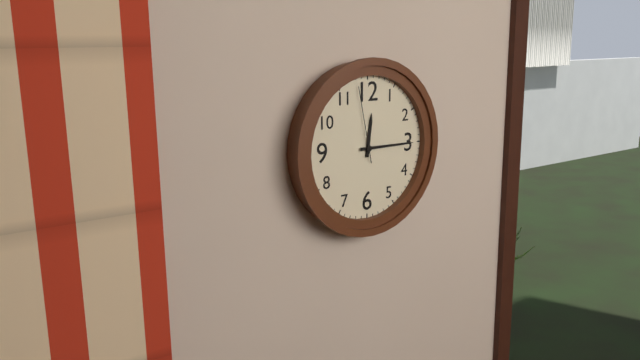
h=12 m=15 s=58
